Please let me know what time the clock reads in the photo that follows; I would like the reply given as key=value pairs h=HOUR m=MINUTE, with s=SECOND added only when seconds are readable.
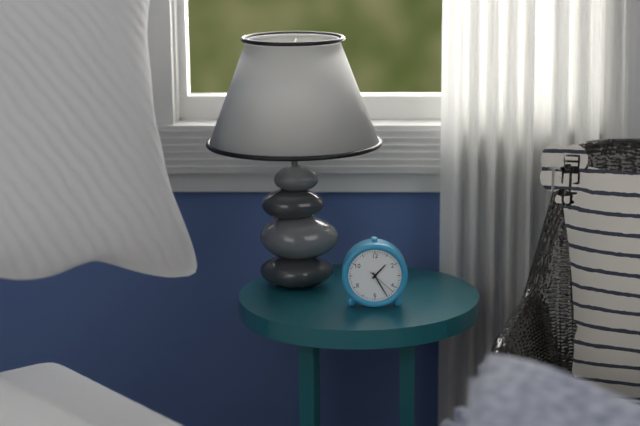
h=1 m=25
